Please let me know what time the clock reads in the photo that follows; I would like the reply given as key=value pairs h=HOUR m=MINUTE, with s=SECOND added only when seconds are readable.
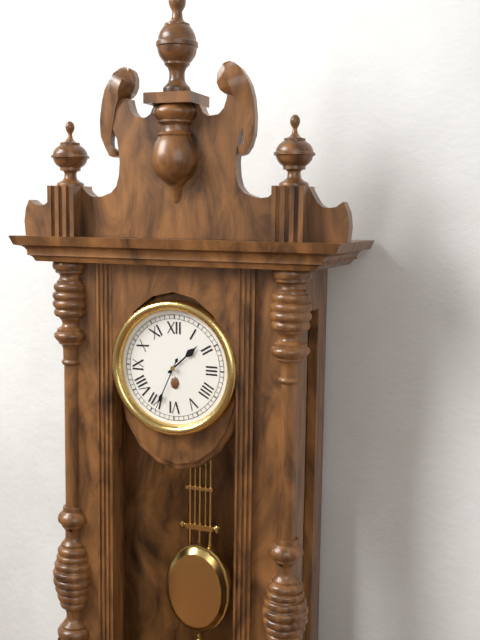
h=1 m=34
